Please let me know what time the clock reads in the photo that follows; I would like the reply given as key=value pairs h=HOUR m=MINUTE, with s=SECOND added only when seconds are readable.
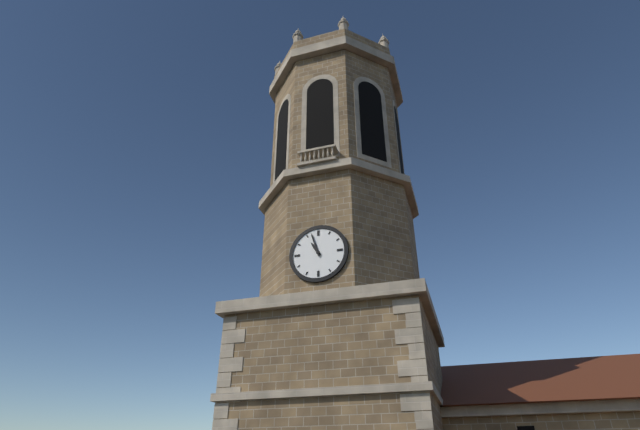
h=10 m=57
